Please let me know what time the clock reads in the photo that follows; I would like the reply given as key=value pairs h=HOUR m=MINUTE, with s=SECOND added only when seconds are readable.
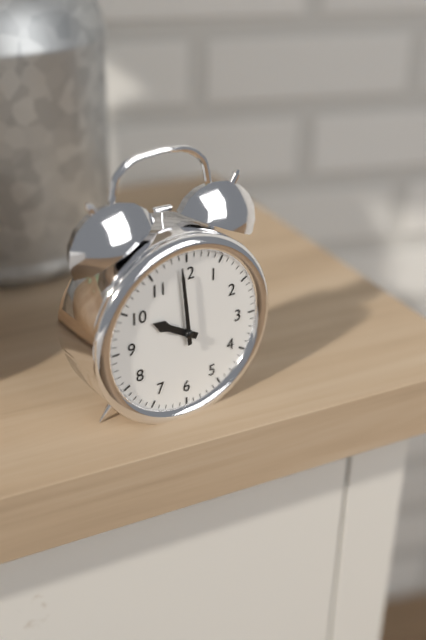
h=9 m=59
